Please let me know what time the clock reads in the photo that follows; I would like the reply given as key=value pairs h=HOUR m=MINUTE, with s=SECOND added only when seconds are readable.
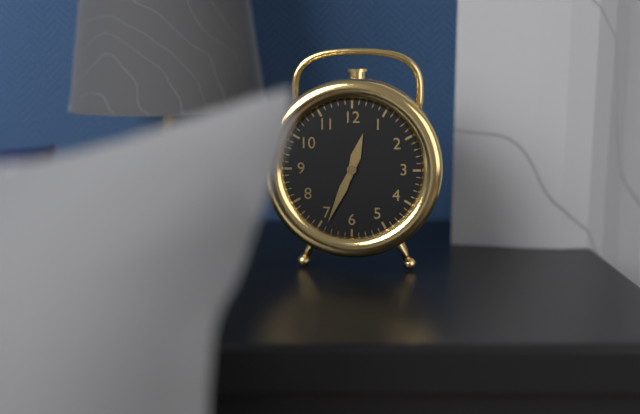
h=12 m=34
